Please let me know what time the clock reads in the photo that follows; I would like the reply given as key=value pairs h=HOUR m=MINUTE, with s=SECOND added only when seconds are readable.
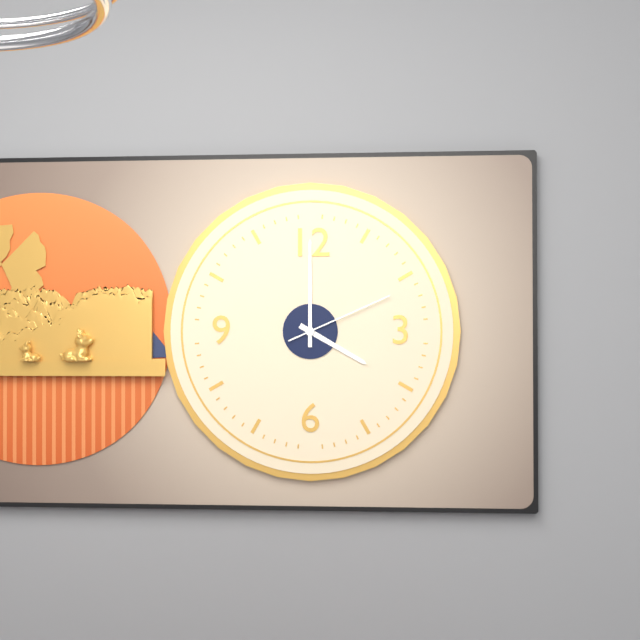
h=4 m=0 s=11
